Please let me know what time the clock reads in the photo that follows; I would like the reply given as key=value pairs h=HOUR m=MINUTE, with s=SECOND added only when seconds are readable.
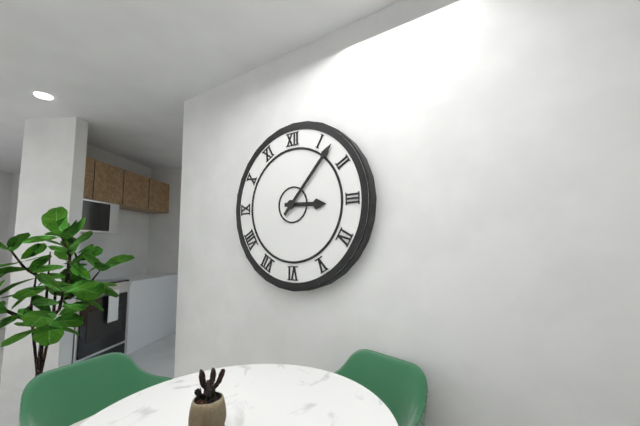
h=3 m=7
